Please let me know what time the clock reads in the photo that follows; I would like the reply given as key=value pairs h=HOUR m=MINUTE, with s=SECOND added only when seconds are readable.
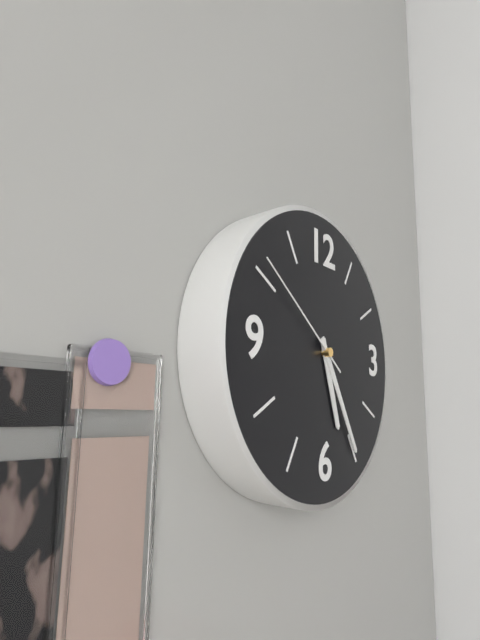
h=5 m=25 s=51
